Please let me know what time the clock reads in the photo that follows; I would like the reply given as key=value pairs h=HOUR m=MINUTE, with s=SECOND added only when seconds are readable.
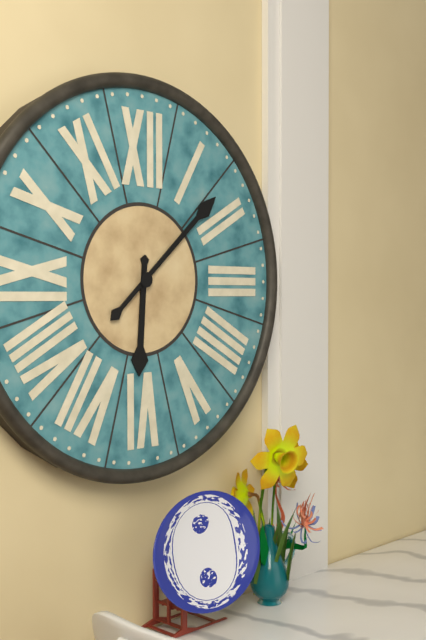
h=6 m=8
